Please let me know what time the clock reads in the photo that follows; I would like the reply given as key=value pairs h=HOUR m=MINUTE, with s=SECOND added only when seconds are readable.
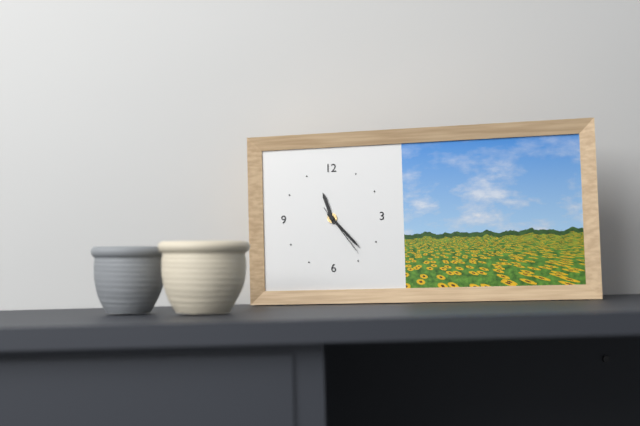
h=11 m=23 s=24
